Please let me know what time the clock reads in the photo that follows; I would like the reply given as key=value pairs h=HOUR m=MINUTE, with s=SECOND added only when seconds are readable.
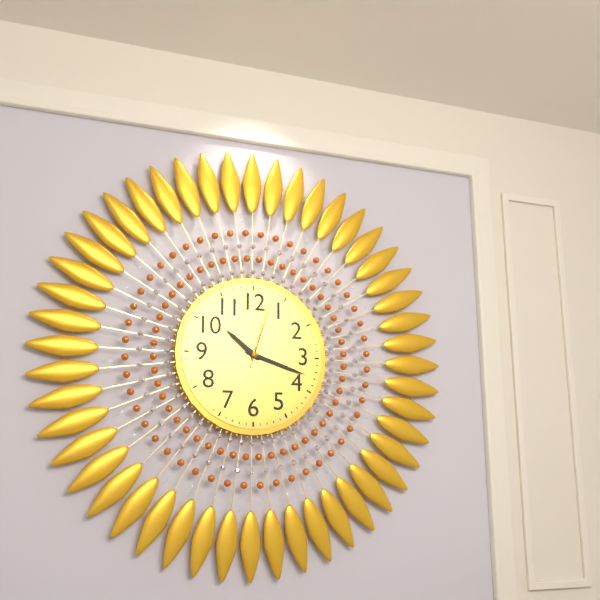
h=10 m=18 s=3
